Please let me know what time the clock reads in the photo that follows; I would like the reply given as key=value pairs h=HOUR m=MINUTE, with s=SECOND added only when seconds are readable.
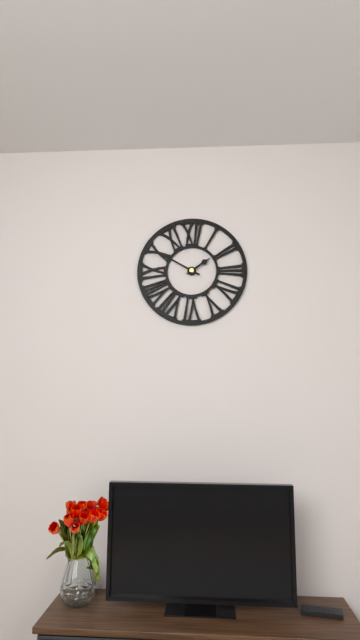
h=1 m=50
